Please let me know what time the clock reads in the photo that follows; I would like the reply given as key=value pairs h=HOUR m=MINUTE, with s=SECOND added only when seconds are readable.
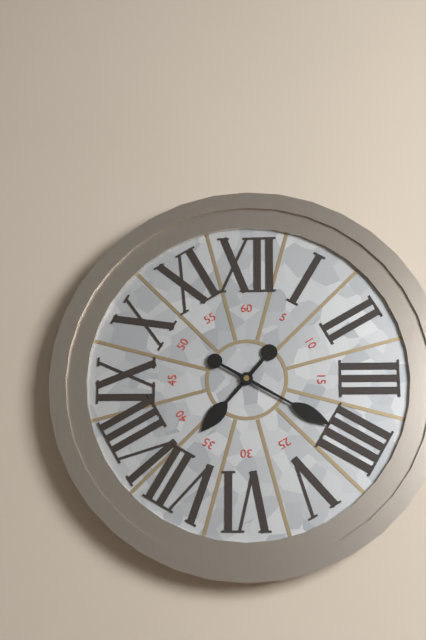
h=7 m=20
